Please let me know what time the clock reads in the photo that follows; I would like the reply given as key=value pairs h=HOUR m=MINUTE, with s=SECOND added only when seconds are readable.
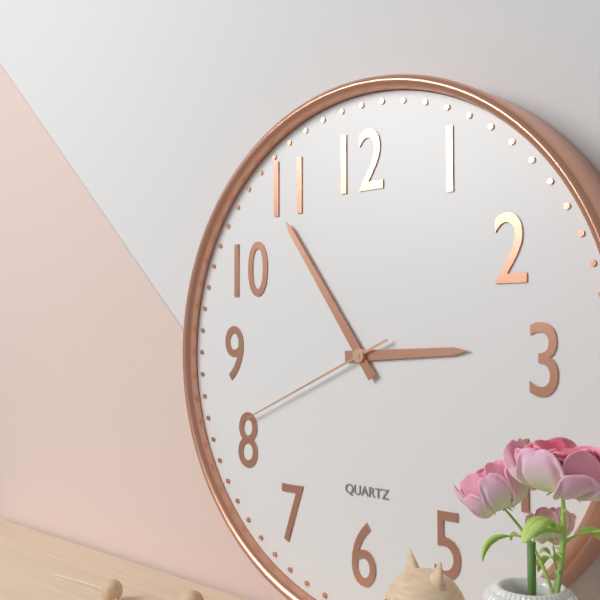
h=2 m=54 s=41
